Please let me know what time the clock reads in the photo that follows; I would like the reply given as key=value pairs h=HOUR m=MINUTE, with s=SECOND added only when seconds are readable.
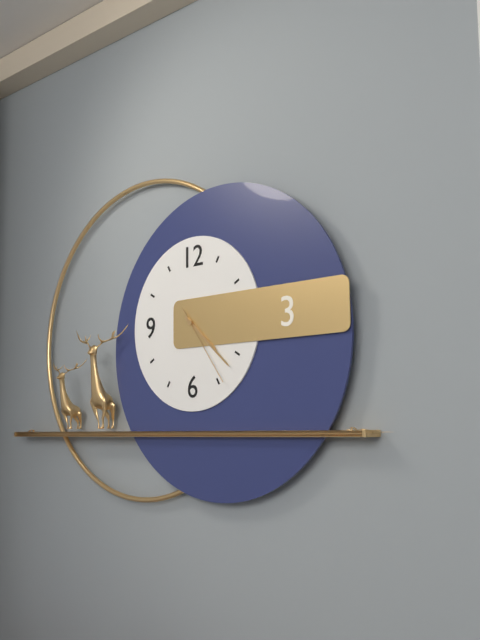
h=4 m=22 s=24
